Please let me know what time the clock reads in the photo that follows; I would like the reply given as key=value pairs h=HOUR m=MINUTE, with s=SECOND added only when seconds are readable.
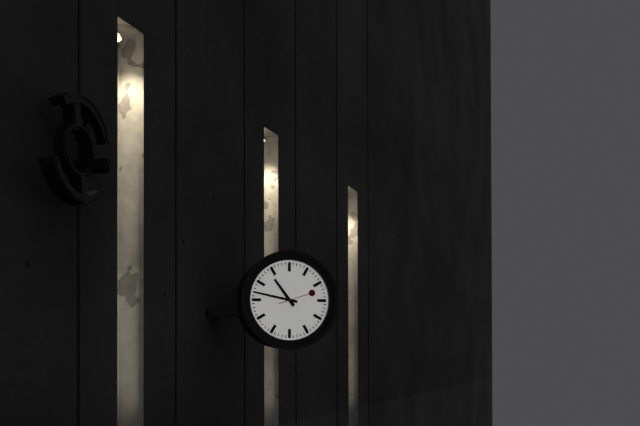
h=10 m=47
